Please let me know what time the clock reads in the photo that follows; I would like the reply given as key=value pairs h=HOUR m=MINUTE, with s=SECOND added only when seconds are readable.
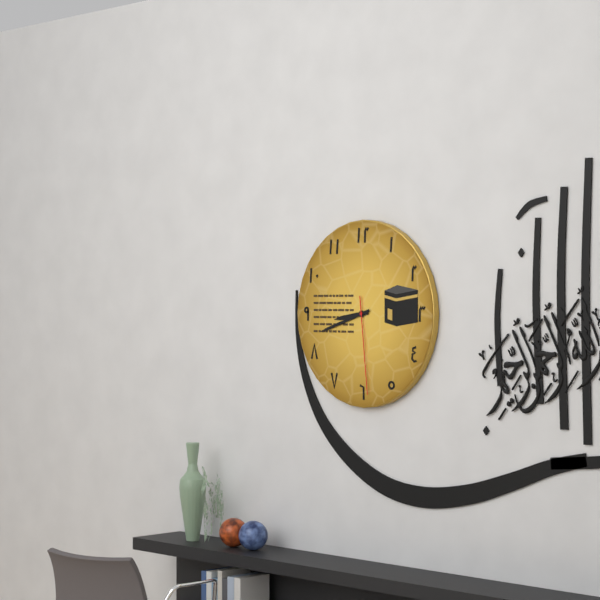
h=8 m=42 s=29
